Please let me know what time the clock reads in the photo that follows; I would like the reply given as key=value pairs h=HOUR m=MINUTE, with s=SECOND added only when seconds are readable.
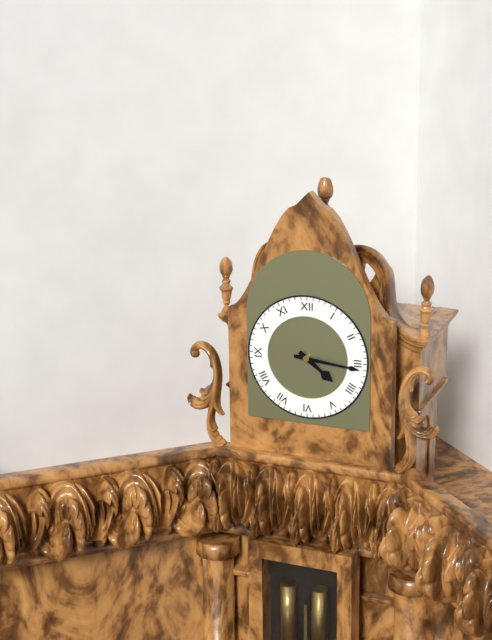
h=4 m=16
